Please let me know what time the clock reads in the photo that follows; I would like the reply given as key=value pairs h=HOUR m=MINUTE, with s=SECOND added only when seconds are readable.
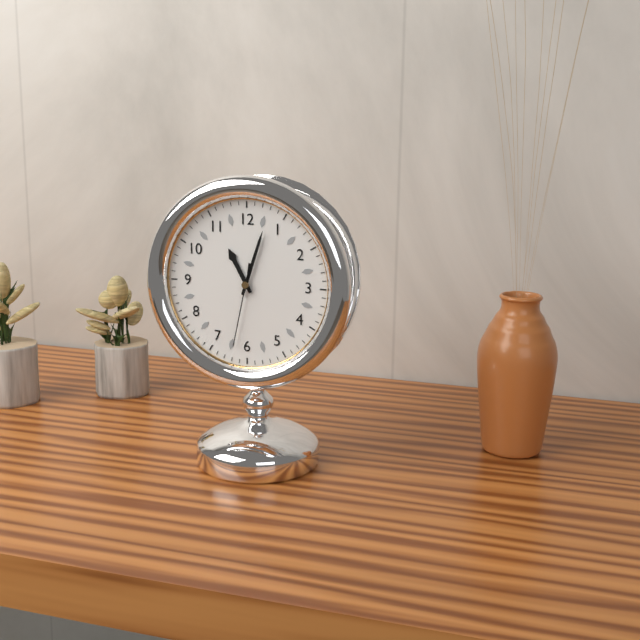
h=11 m=3 s=32
